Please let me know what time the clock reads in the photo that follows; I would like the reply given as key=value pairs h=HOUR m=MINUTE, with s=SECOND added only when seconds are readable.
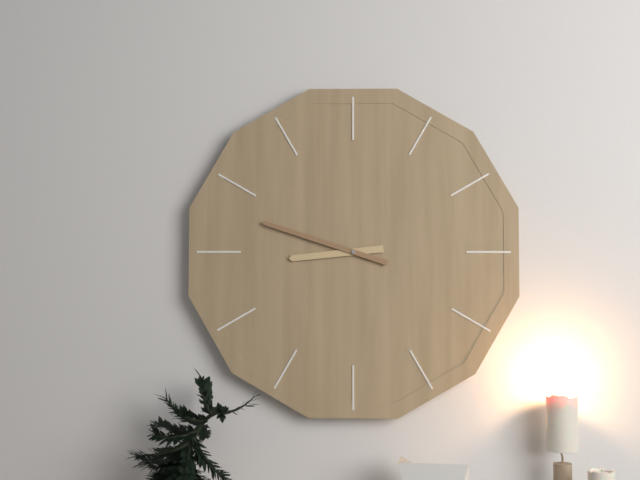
h=8 m=48
